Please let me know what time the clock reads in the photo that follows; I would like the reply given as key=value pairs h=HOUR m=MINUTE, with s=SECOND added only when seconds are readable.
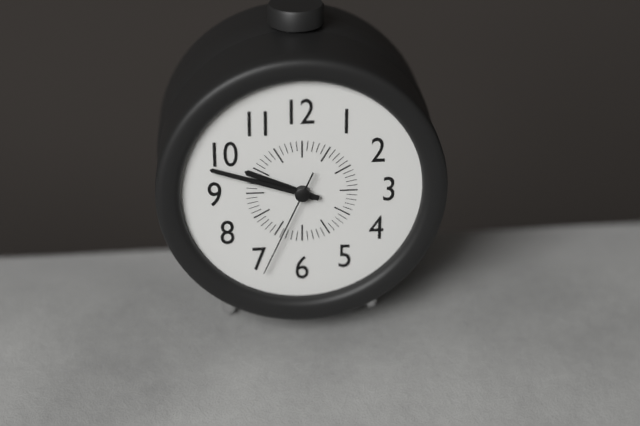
h=9 m=48 s=34
